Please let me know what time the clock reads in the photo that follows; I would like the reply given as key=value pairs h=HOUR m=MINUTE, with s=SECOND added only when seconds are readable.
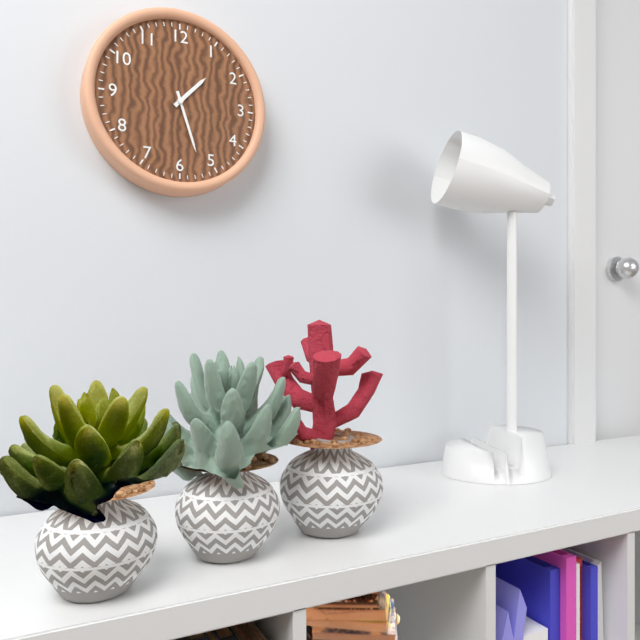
h=1 m=27
